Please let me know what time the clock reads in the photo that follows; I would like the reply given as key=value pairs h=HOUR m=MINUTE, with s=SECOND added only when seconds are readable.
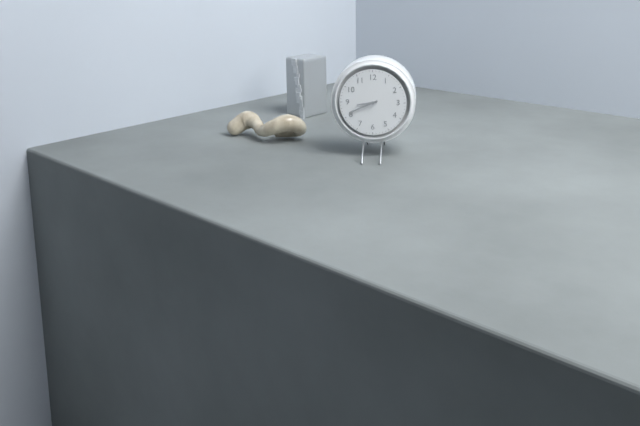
h=8 m=41
